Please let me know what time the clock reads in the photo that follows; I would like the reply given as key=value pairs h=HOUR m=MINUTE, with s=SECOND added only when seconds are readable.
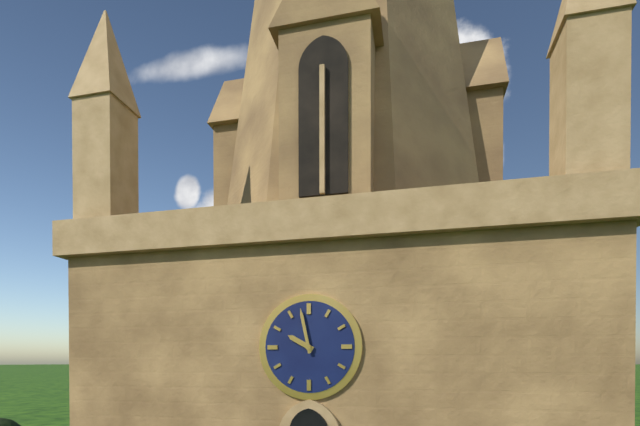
h=9 m=58
